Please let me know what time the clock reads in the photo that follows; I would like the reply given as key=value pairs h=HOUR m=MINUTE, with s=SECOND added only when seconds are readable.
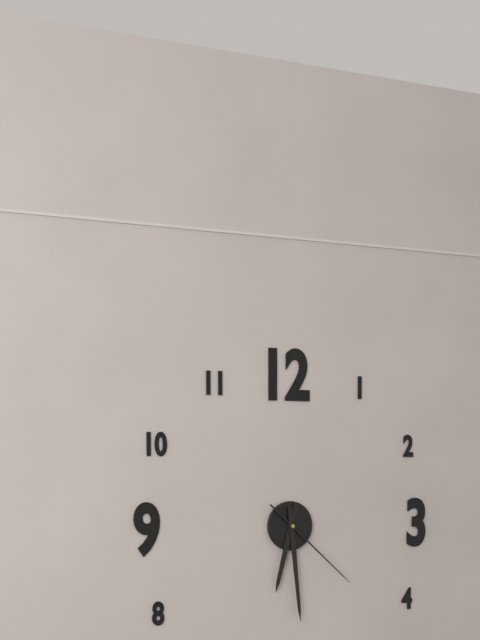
h=6 m=29 s=22
